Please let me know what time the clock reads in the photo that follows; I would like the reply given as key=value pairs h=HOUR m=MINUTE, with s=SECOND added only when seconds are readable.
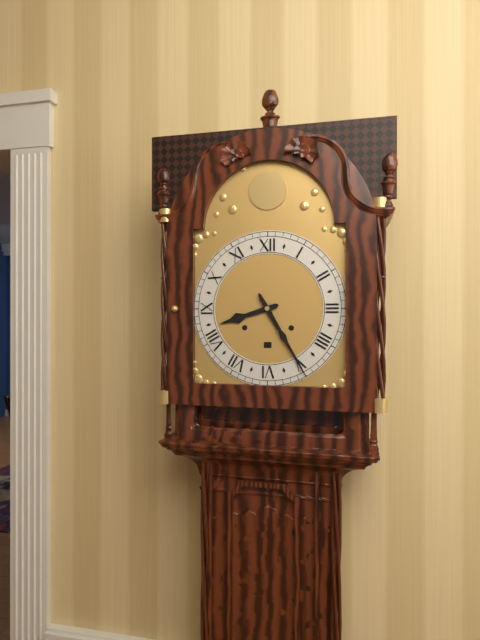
h=8 m=25
